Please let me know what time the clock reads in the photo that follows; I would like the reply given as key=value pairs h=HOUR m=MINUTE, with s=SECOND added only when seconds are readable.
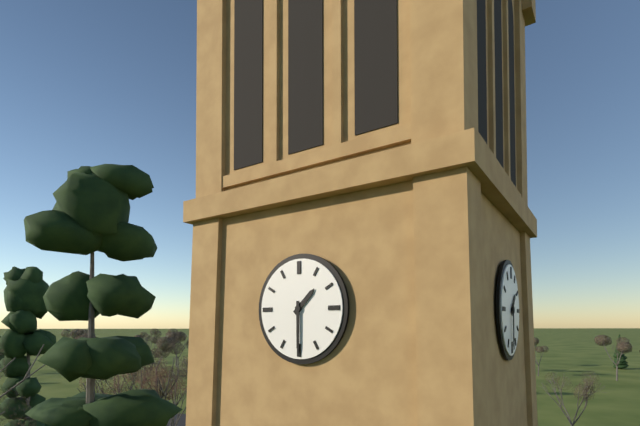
h=1 m=30
